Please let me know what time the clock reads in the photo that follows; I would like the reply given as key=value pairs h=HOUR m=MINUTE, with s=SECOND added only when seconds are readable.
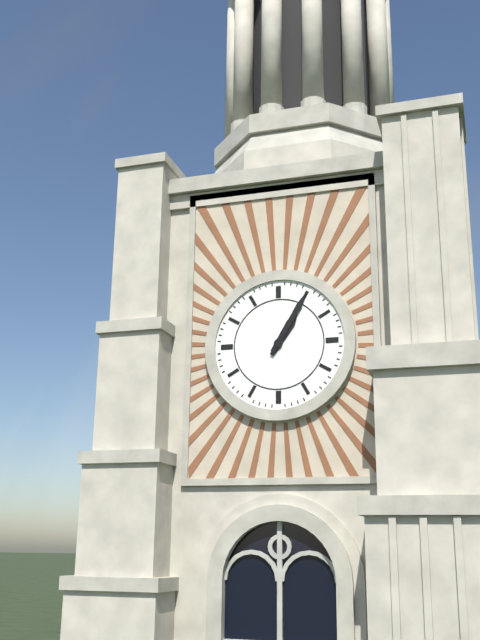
h=1 m=5
